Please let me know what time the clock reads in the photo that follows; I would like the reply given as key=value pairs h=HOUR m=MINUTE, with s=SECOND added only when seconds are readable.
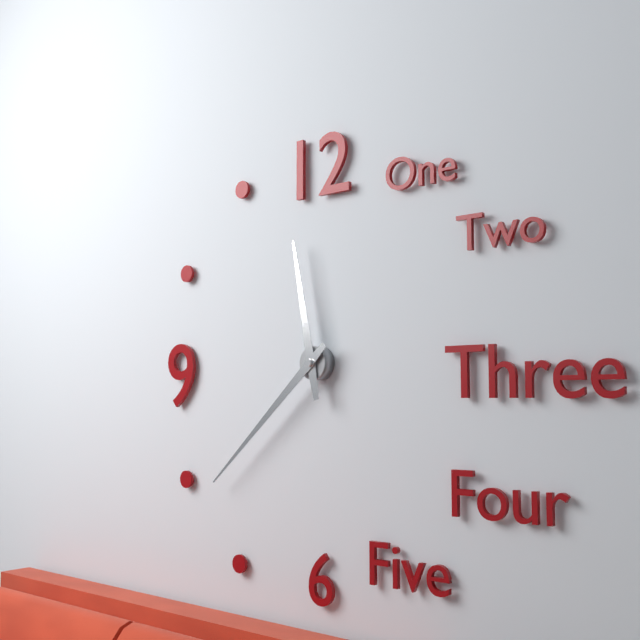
h=11 m=38
